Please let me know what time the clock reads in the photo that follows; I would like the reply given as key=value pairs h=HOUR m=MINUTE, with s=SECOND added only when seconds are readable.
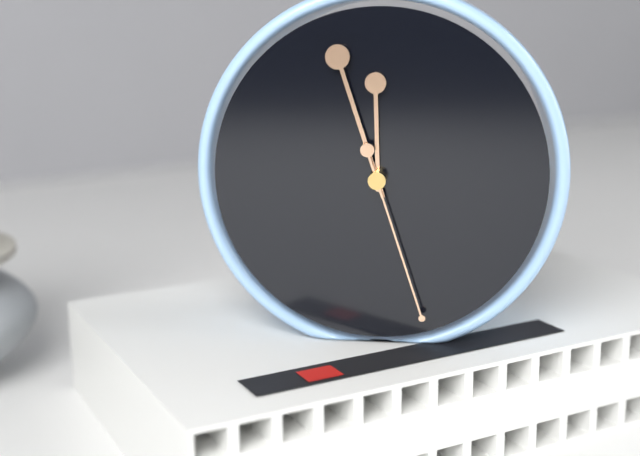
h=11 m=57 s=27
